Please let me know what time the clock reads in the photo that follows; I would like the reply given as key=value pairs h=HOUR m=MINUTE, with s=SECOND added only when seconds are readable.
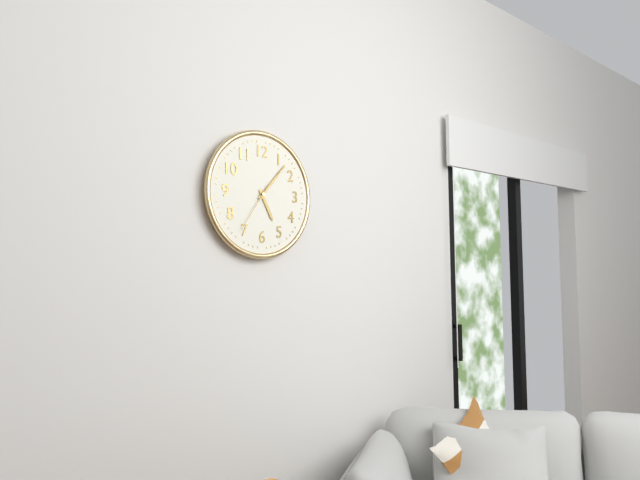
h=5 m=7 s=36
